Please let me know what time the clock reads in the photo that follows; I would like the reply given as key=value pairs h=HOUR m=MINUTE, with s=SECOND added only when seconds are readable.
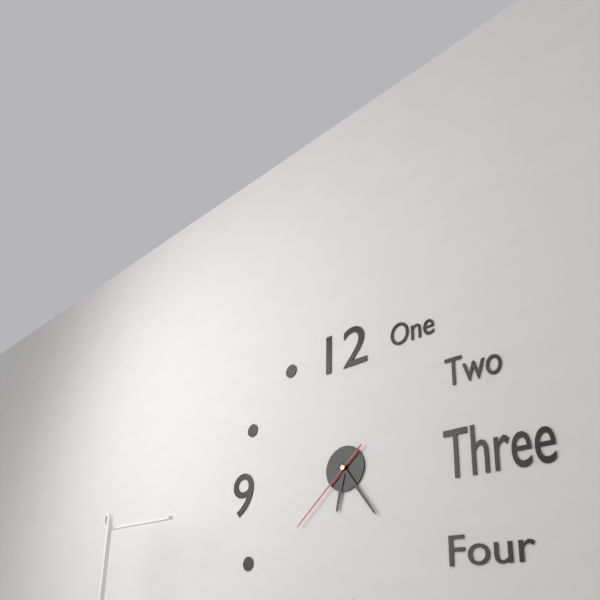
h=6 m=24 s=38
